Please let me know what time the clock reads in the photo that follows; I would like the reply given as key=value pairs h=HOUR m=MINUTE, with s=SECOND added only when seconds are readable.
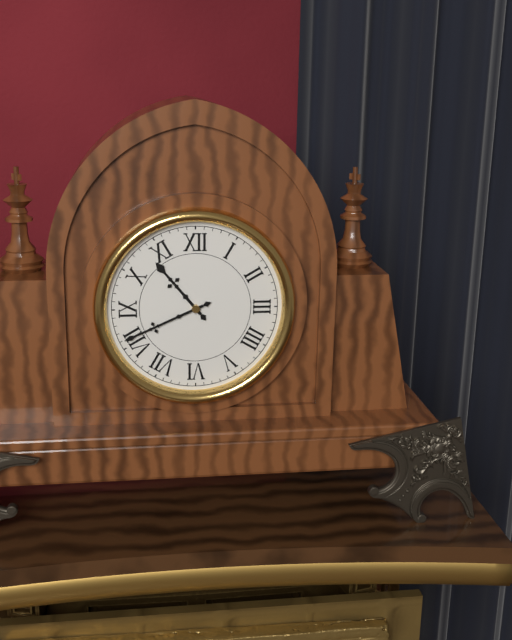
h=10 m=41
